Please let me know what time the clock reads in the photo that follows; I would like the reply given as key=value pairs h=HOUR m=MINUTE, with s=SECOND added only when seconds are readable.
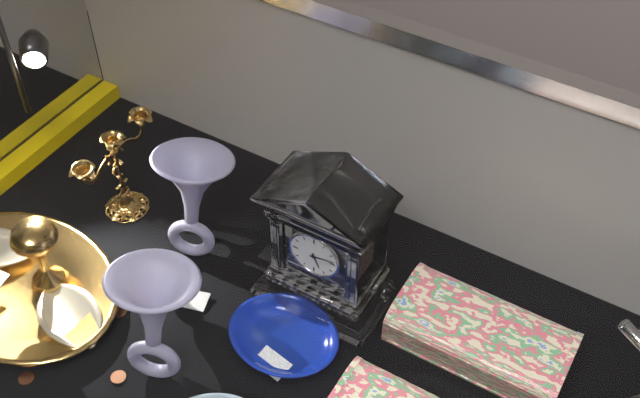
h=5 m=13
